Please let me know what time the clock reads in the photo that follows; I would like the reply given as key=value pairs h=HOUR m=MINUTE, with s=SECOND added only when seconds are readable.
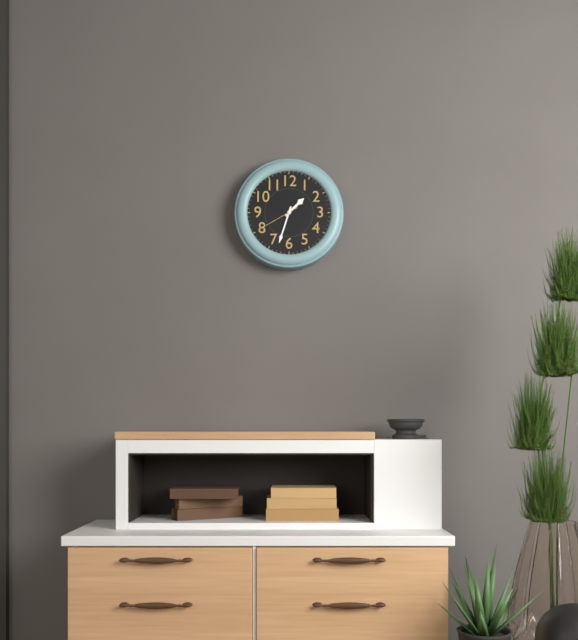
h=1 m=33
